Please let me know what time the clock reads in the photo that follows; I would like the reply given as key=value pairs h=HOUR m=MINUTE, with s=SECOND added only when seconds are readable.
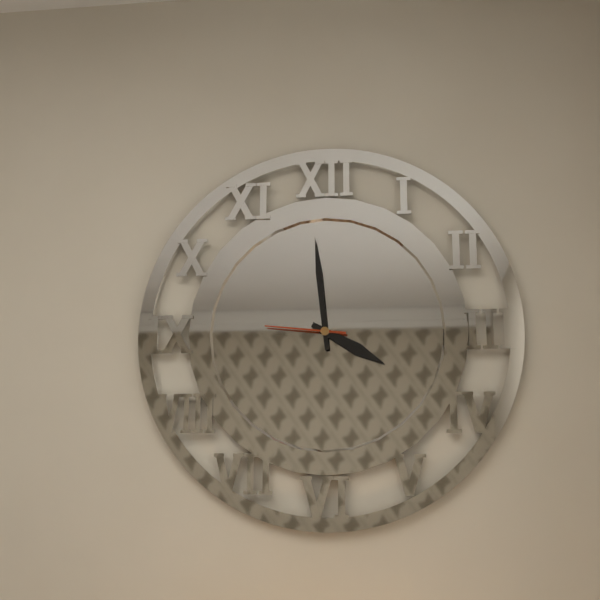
h=3 m=59 s=46
